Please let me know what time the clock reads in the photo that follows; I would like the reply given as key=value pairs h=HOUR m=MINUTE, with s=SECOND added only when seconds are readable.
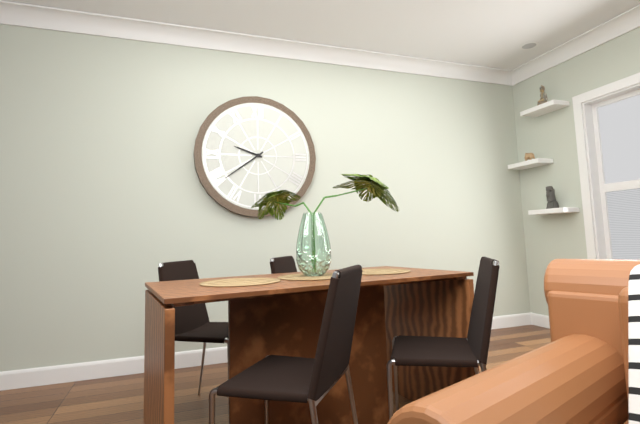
h=9 m=39
